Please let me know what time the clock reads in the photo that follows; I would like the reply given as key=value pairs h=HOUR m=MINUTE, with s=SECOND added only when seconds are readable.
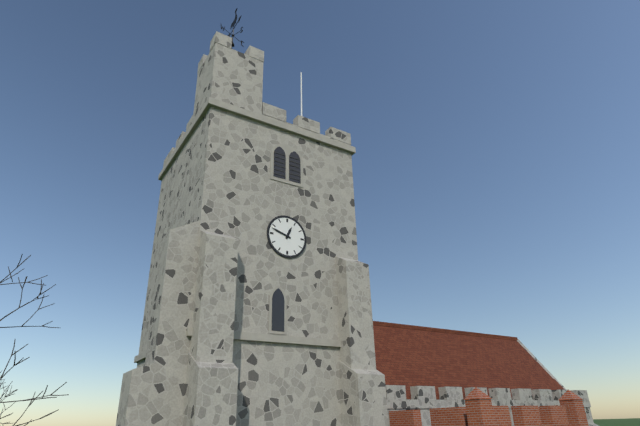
h=12 m=48
